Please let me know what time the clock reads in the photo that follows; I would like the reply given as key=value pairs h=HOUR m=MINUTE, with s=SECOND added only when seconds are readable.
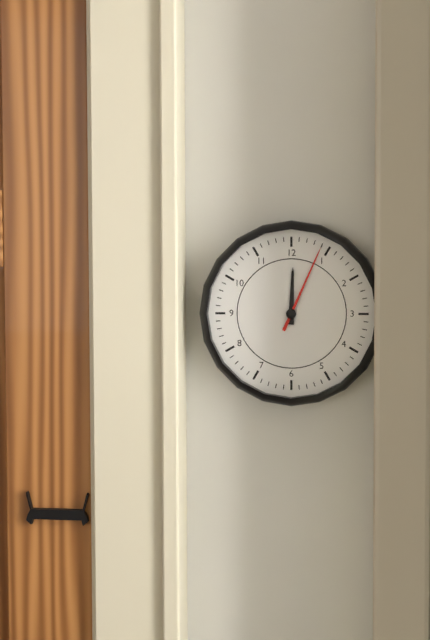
h=12 m=4
